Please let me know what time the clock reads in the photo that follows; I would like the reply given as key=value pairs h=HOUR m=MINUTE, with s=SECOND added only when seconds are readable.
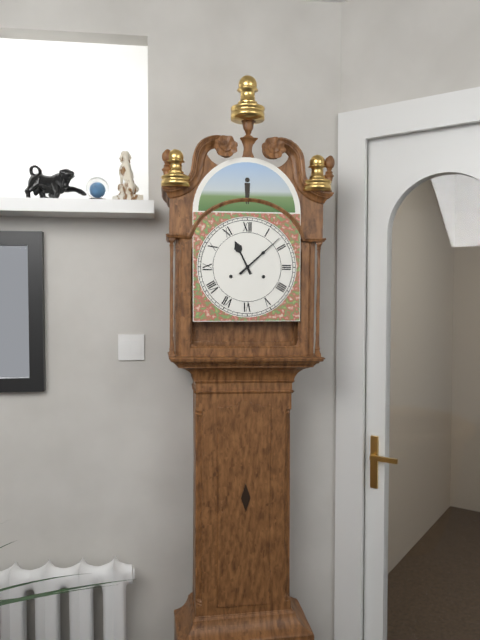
h=11 m=8
